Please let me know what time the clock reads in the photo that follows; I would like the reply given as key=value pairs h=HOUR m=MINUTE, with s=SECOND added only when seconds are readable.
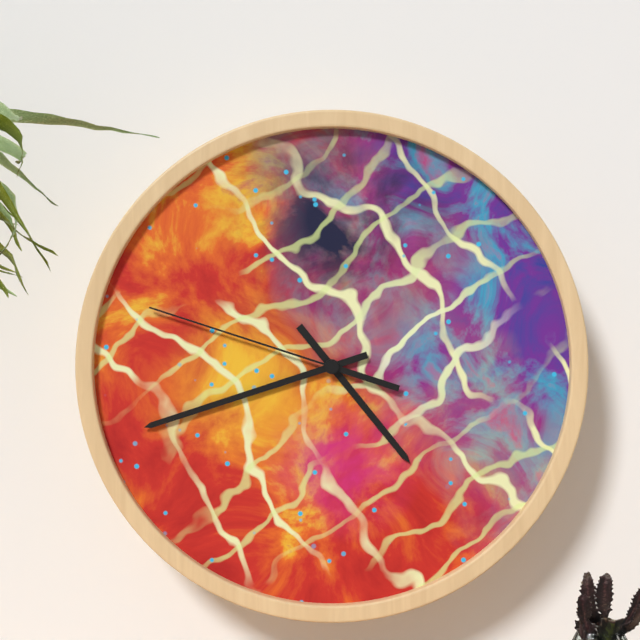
h=4 m=42 s=48
